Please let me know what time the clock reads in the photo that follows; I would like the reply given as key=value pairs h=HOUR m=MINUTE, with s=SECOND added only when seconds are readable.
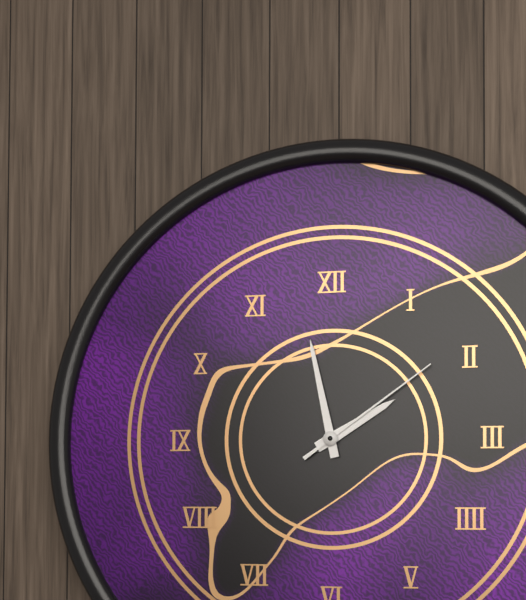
h=1 m=58 s=9
